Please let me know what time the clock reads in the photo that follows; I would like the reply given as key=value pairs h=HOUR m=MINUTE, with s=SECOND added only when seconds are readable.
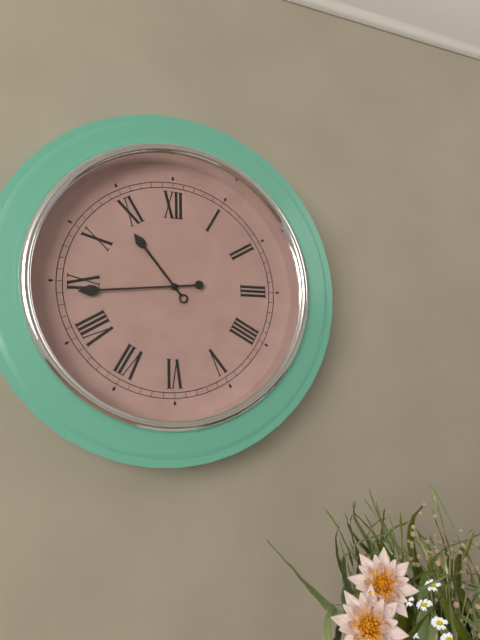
h=10 m=44
